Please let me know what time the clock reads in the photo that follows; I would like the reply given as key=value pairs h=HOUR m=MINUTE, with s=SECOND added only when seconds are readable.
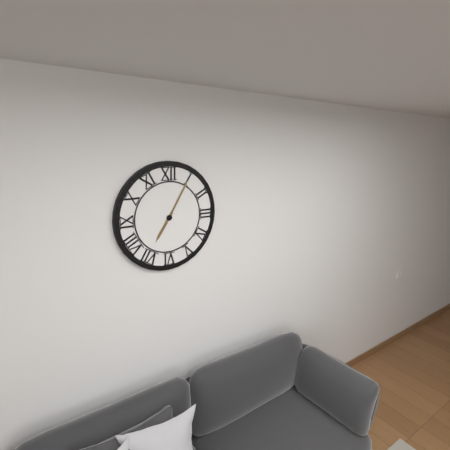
h=7 m=5
